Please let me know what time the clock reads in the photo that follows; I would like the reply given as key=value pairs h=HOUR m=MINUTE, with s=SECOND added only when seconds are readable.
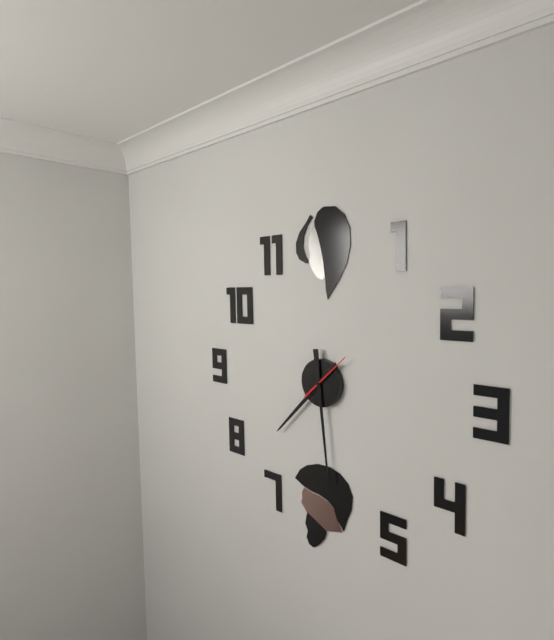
h=7 m=29
